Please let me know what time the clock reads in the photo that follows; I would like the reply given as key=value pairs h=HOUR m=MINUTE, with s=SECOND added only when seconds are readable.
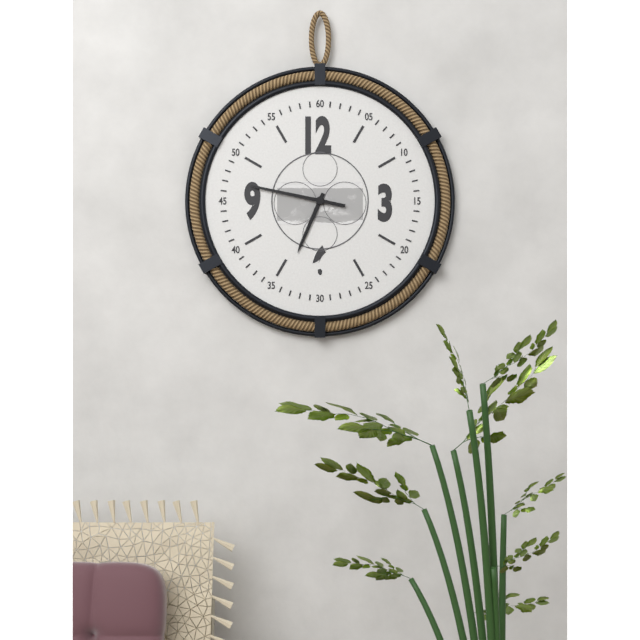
h=6 m=47
